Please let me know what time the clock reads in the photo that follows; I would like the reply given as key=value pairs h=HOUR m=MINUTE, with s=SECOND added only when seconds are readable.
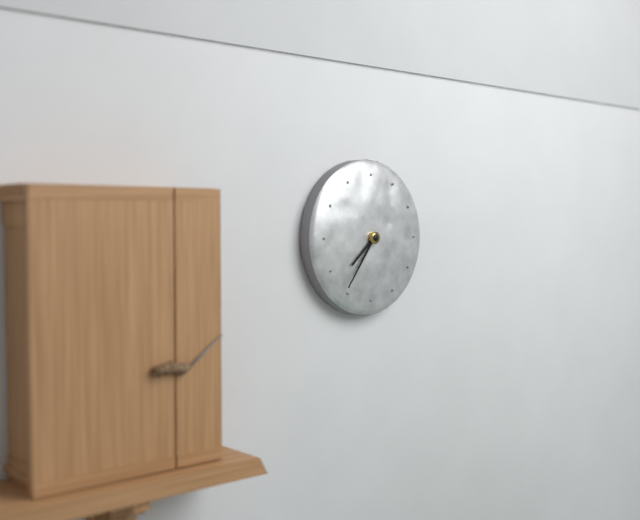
h=7 m=36
